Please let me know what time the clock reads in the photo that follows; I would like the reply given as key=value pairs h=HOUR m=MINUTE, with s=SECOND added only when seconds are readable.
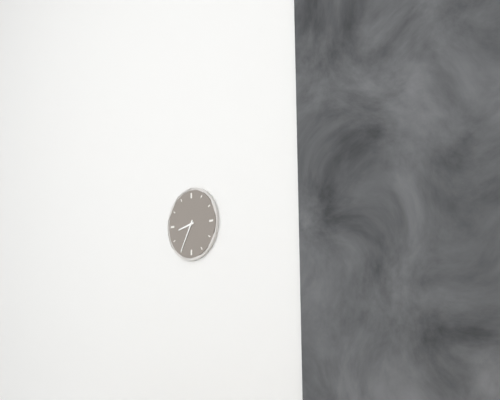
h=8 m=35
